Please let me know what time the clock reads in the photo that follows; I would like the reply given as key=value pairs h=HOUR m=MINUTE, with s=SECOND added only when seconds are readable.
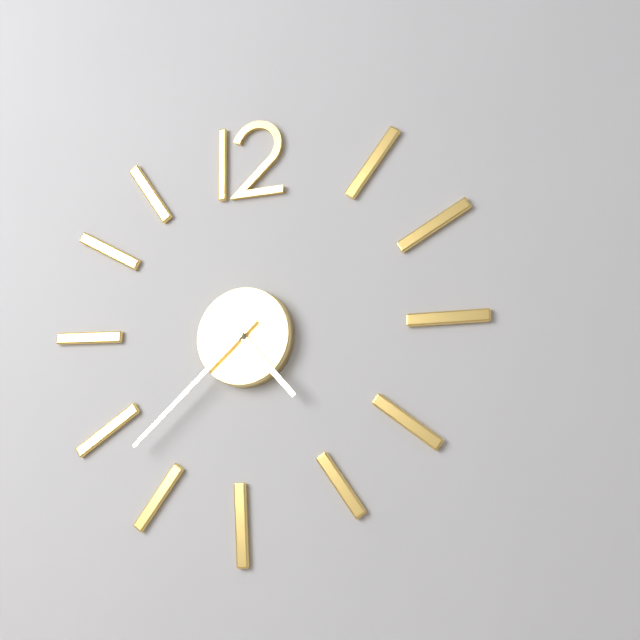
h=4 m=38
